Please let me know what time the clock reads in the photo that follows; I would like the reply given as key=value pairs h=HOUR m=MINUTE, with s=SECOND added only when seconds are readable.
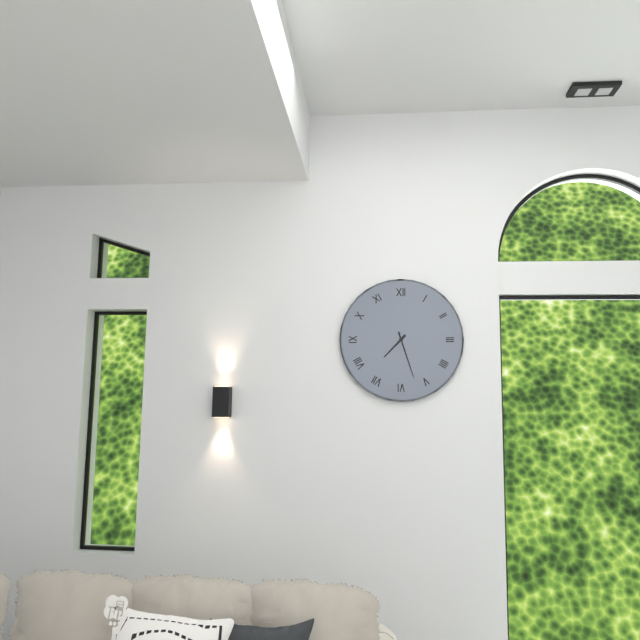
h=7 m=27
